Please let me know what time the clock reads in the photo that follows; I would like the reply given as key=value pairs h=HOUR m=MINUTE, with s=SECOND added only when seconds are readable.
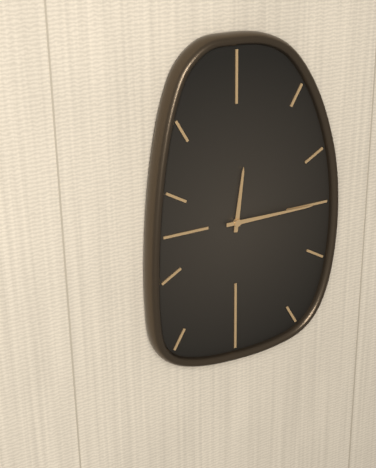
h=12 m=15
